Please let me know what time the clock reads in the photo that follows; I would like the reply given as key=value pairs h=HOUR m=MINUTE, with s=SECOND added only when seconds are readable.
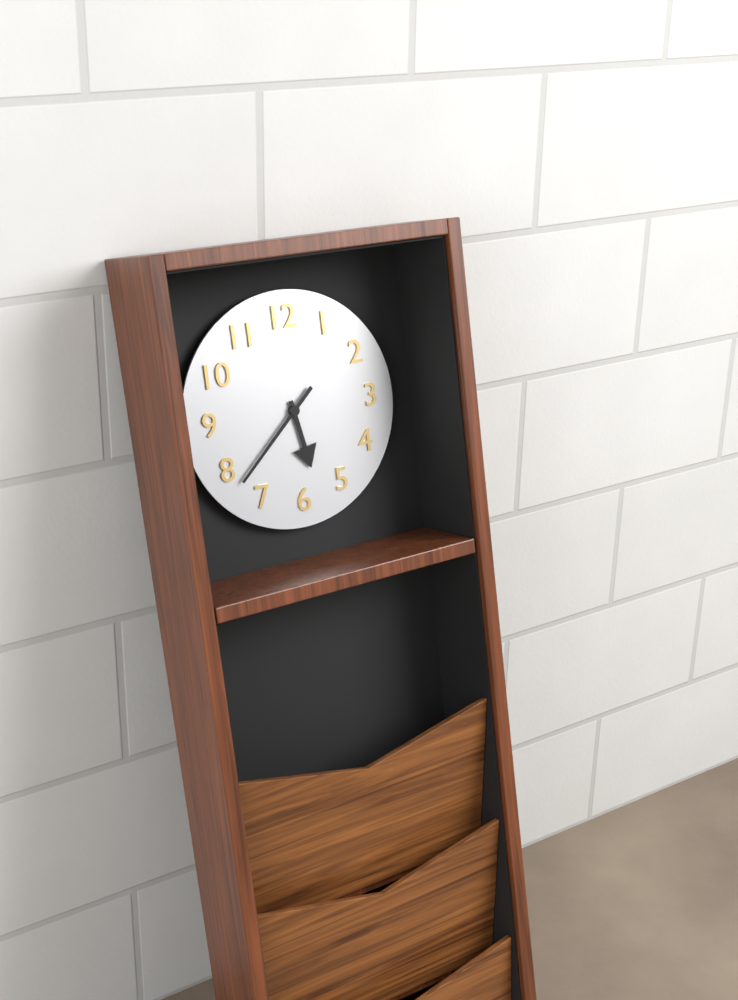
h=5 m=38
